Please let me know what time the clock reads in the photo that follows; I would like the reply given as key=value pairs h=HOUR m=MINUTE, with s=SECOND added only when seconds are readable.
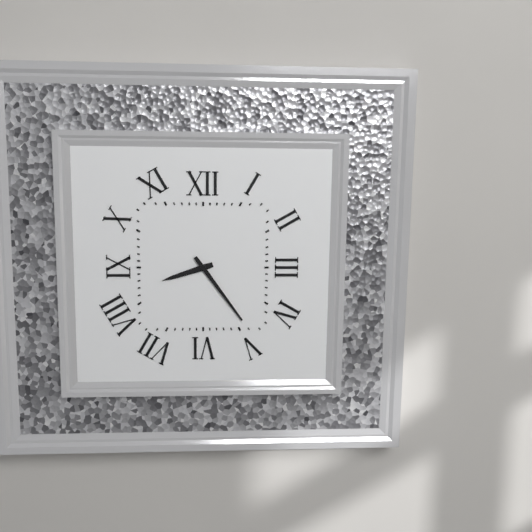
h=8 m=24
